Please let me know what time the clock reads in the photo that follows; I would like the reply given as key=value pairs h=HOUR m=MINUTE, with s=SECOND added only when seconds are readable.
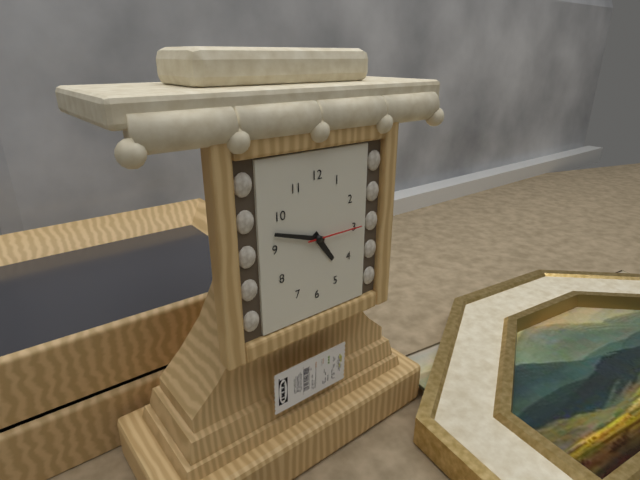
h=4 m=48 s=15
